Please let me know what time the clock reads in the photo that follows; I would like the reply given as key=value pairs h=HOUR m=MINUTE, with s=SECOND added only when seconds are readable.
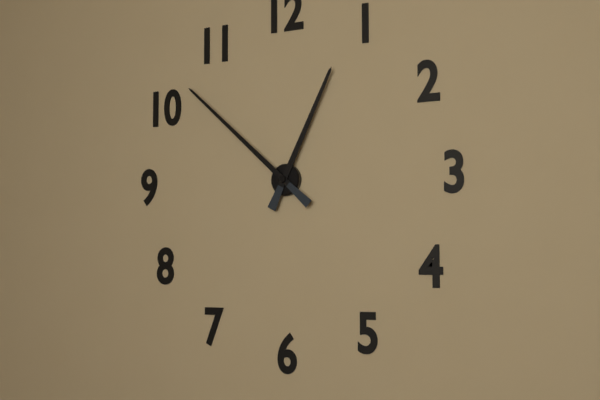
h=12 m=52
